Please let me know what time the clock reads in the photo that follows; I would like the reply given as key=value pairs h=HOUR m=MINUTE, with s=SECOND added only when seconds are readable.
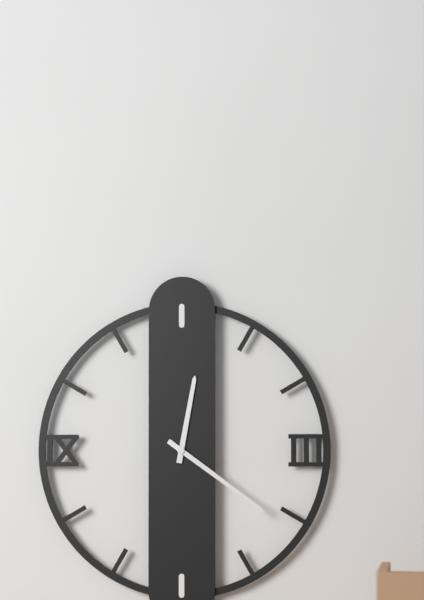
h=12 m=21
